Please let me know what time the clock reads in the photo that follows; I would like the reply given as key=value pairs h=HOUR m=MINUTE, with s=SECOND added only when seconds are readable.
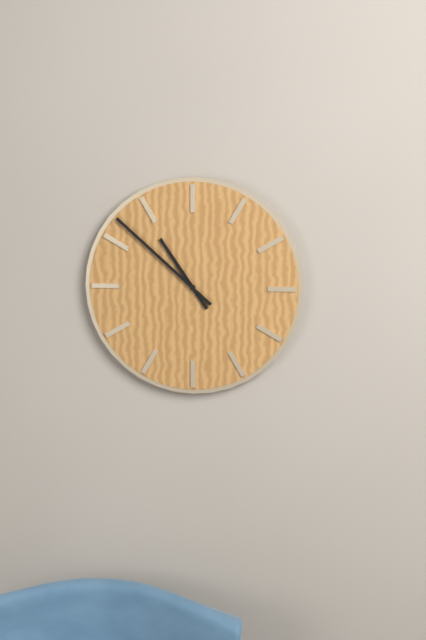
h=10 m=52
